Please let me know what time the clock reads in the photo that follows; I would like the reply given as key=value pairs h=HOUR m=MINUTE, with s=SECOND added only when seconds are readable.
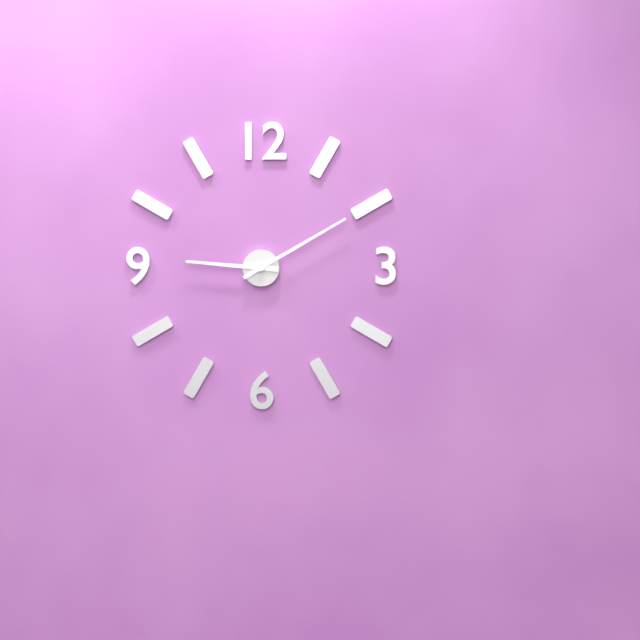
h=9 m=10
